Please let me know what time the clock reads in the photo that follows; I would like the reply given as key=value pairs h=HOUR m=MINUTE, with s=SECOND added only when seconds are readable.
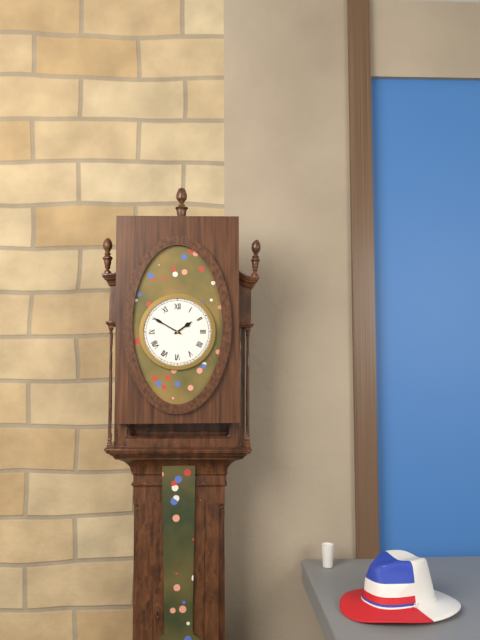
h=1 m=50
